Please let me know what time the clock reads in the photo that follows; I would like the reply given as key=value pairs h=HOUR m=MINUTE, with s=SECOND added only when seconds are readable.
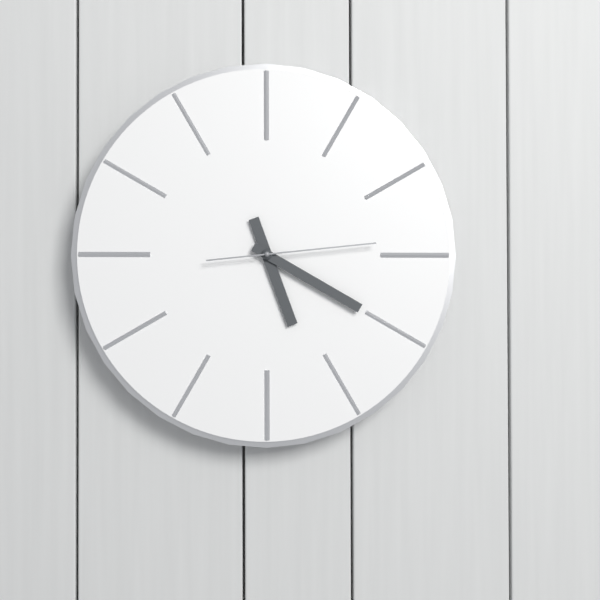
h=5 m=20 s=14
